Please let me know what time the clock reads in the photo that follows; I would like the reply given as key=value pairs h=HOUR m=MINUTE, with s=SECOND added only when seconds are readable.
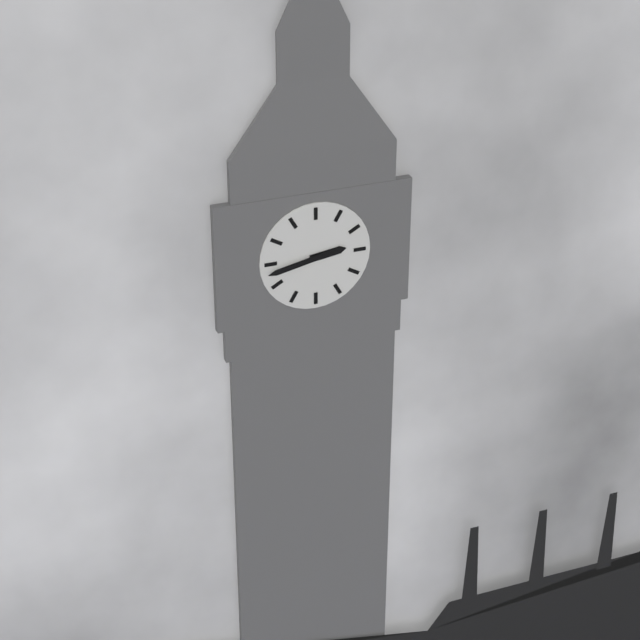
h=2 m=43
